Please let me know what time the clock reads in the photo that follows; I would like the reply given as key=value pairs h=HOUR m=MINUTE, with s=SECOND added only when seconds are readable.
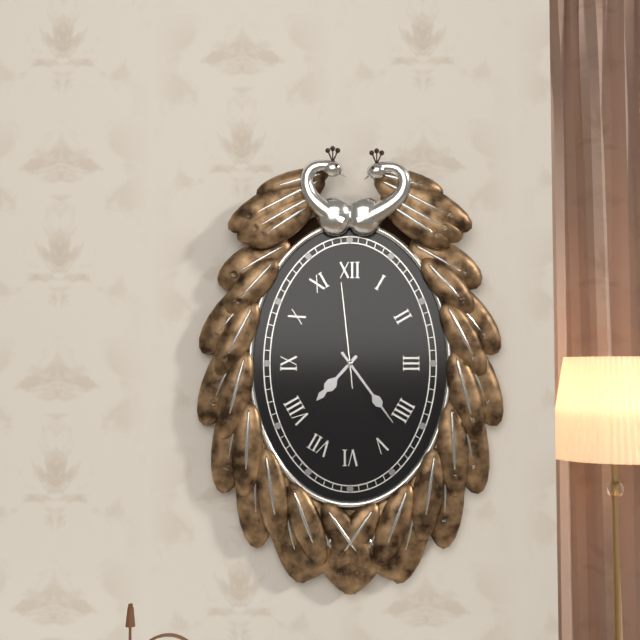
h=7 m=24 s=59
